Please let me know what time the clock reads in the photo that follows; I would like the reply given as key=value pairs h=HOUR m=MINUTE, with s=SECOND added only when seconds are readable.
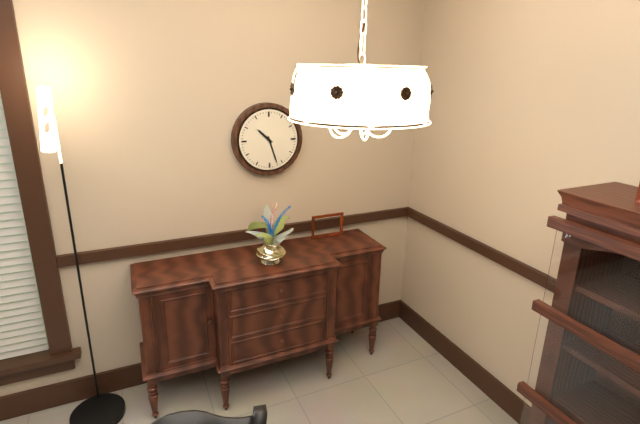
h=10 m=27
